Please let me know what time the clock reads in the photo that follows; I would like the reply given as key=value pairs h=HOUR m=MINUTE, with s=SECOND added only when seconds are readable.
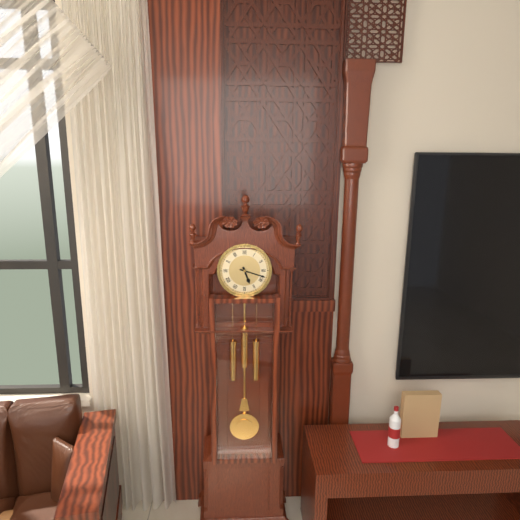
h=5 m=18
